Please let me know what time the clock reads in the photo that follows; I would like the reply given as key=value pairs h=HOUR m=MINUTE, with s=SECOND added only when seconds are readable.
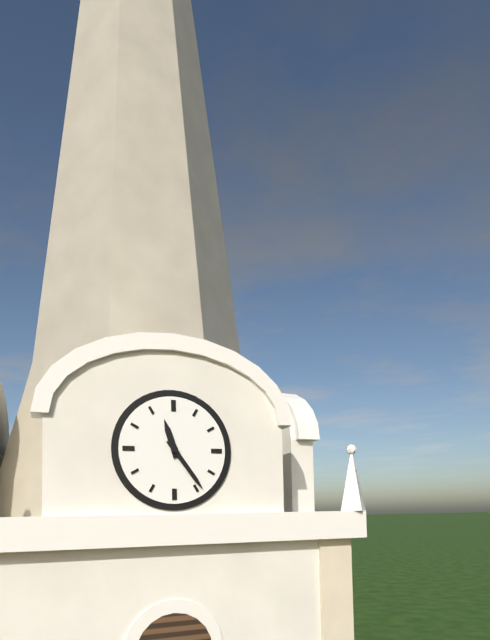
h=11 m=24
